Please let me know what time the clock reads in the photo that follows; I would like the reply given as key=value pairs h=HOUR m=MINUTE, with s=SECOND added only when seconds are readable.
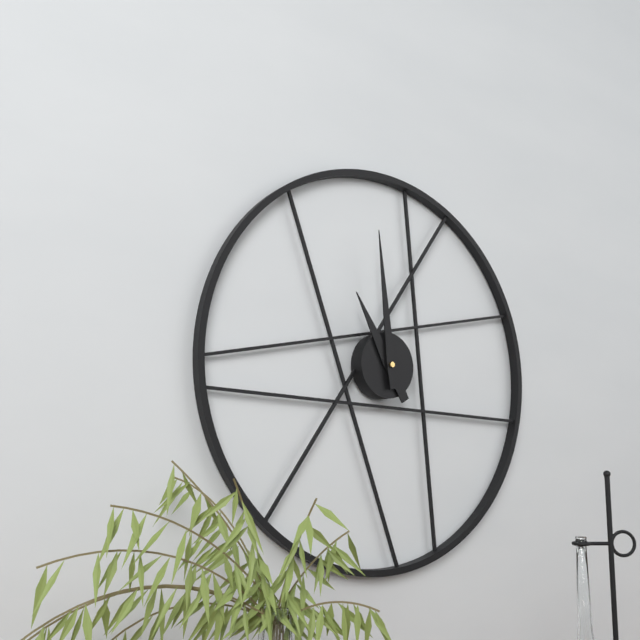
h=10 m=59
